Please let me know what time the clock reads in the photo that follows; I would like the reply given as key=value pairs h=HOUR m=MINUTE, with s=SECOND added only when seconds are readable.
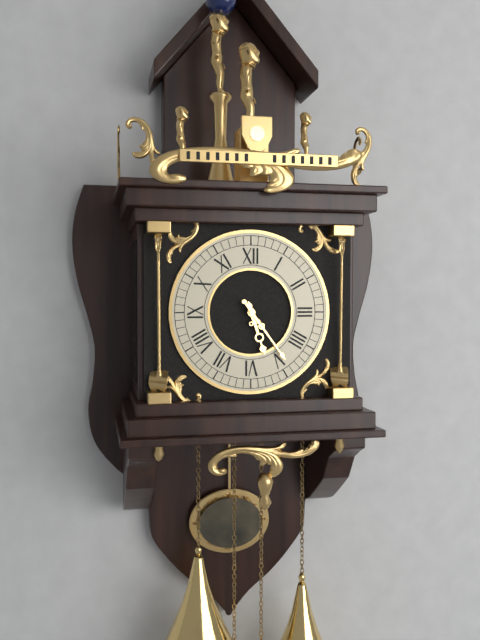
h=5 m=24
